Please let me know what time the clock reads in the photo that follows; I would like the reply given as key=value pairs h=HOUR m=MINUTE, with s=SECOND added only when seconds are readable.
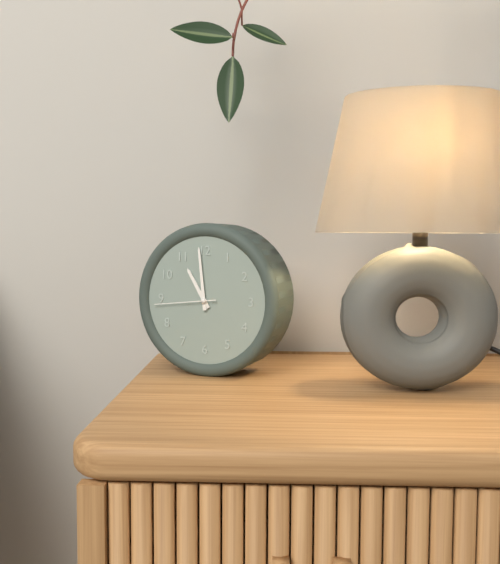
h=10 m=59 s=44
